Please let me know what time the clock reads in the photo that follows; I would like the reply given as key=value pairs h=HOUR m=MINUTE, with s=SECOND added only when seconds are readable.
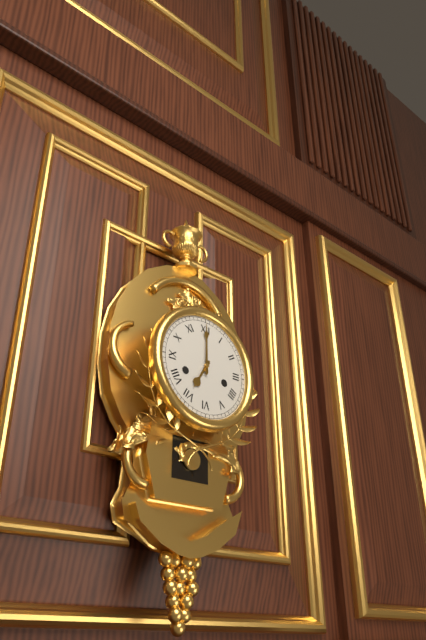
h=7 m=0
